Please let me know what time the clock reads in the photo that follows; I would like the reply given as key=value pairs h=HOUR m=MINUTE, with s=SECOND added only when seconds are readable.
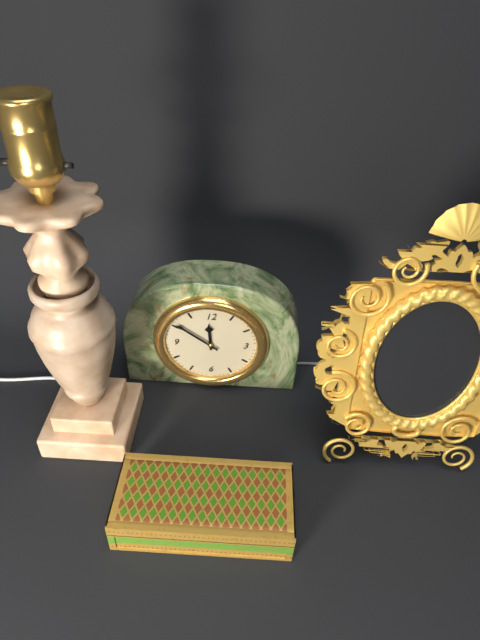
h=11 m=51
